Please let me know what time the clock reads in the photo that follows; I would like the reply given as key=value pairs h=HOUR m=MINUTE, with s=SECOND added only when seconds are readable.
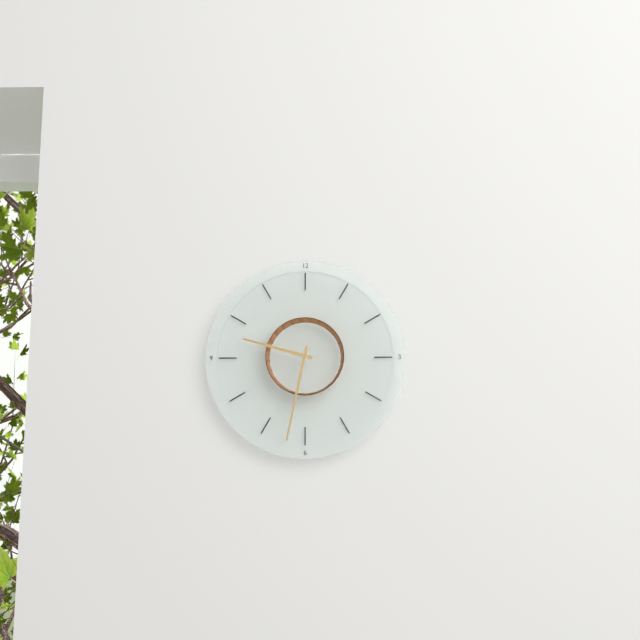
h=9 m=32
